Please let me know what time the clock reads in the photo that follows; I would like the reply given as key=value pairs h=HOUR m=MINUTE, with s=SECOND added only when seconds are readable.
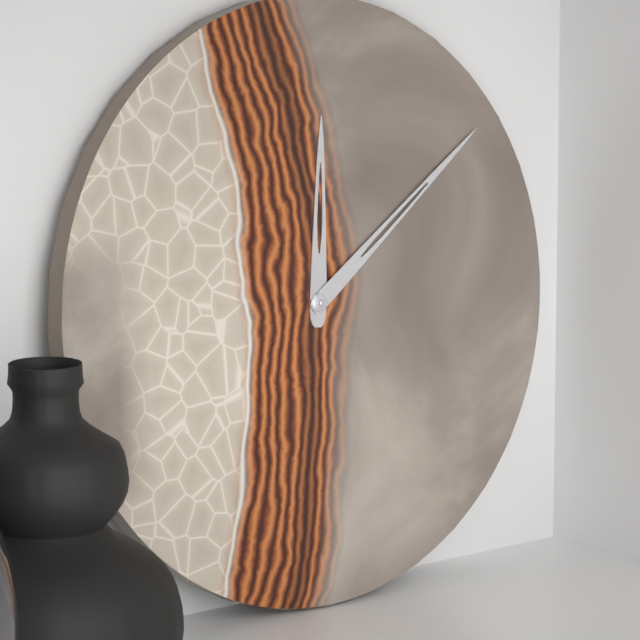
h=12 m=9
